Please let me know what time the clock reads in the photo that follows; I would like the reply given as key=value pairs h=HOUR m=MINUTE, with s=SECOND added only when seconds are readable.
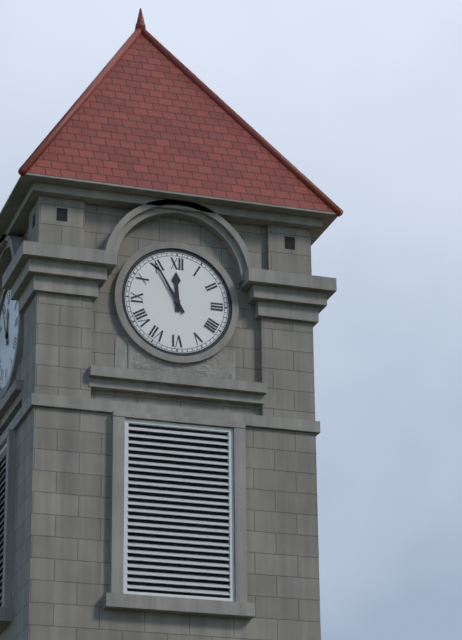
h=11 m=55
